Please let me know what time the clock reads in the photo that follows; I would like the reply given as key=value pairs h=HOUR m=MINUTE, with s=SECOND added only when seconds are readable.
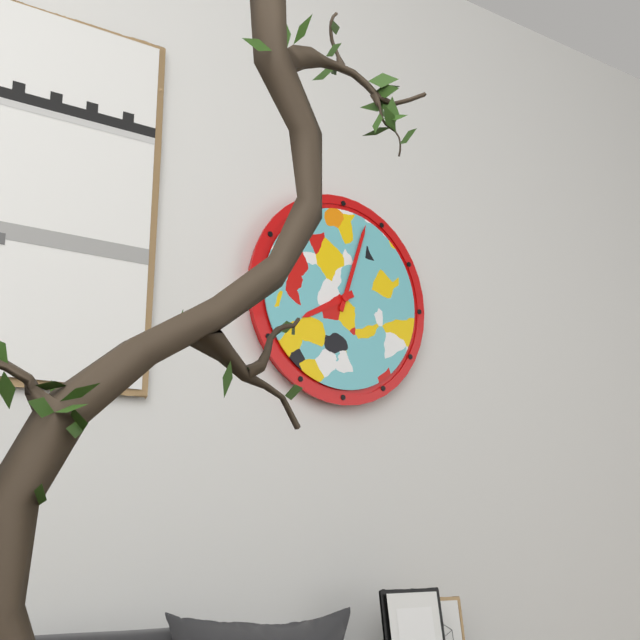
h=8 m=3
